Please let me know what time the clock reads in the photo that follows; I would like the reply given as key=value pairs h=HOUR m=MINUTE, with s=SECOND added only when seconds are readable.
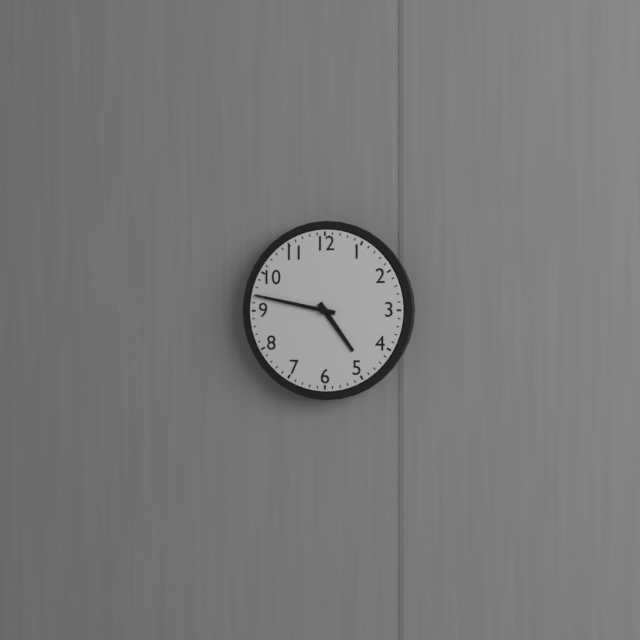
h=4 m=47
